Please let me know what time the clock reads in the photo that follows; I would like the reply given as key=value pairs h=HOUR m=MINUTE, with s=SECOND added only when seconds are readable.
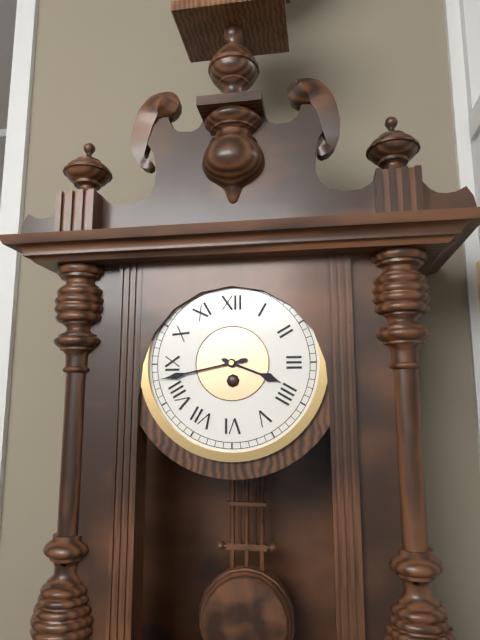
h=3 m=43
